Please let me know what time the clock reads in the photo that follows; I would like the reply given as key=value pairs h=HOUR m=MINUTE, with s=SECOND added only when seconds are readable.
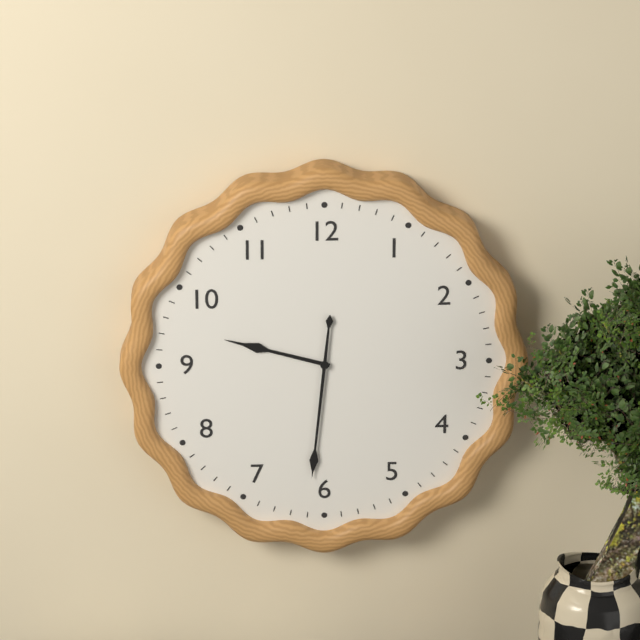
h=9 m=31
